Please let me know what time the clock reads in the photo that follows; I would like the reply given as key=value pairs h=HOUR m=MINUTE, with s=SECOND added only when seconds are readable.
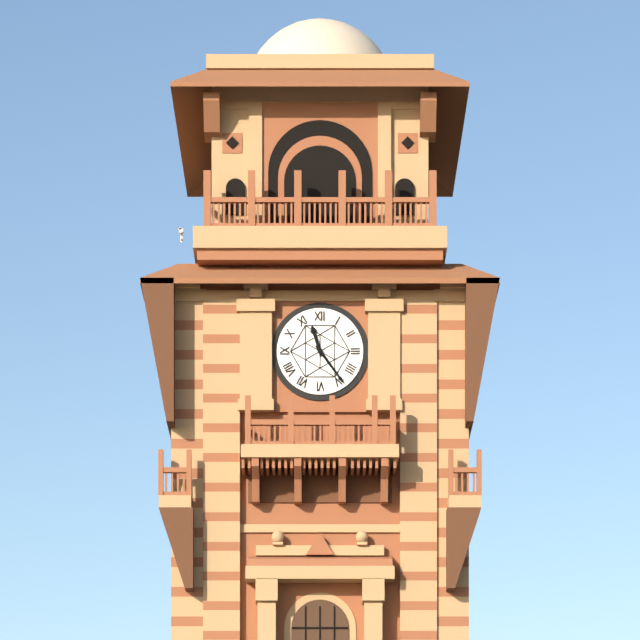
h=11 m=24
